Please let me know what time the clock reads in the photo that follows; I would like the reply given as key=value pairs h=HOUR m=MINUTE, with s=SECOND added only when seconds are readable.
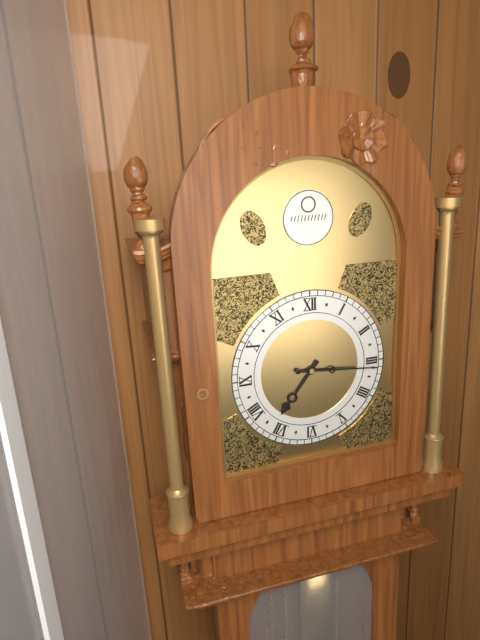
h=7 m=16
